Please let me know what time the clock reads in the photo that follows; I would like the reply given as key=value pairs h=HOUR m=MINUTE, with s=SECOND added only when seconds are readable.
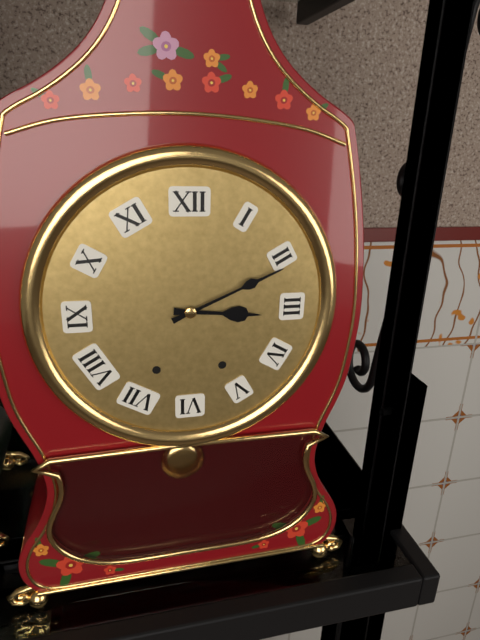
h=3 m=11
